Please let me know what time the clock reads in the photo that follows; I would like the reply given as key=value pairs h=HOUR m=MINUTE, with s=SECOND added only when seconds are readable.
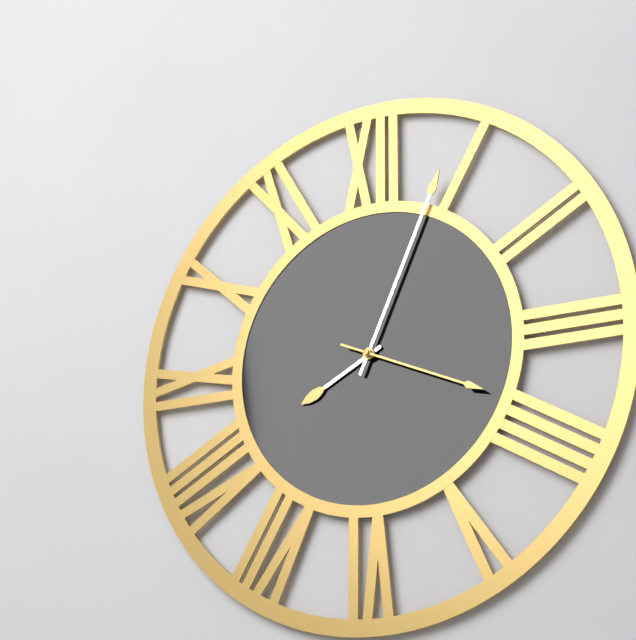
h=8 m=4 s=19
